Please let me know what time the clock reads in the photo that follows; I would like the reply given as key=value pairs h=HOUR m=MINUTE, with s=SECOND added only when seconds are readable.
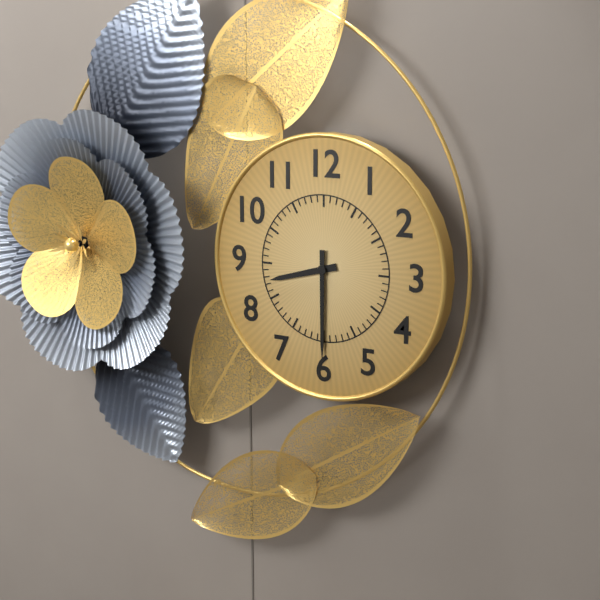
h=8 m=30
